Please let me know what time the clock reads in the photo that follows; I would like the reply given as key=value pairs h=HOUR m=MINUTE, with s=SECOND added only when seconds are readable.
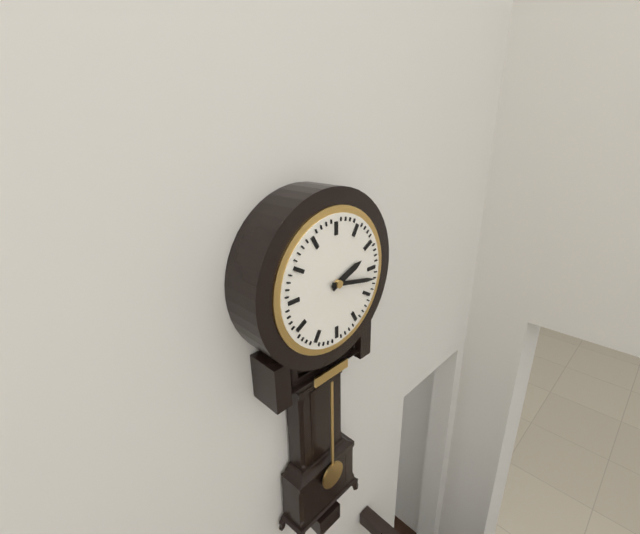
h=2 m=17
